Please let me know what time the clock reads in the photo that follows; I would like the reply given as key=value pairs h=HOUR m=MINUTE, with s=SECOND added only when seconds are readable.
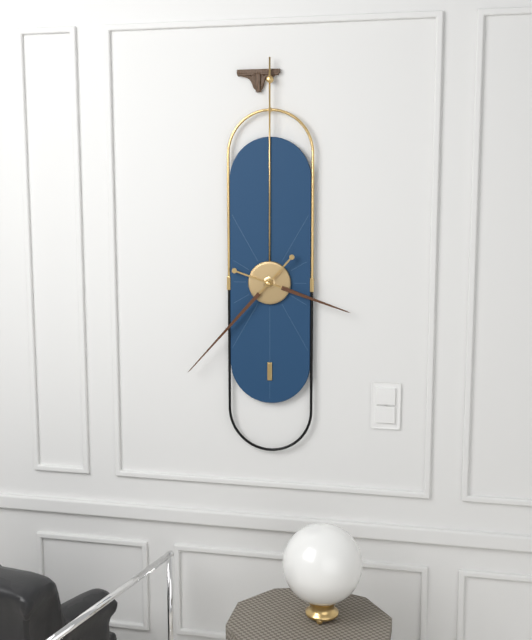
h=3 m=37
